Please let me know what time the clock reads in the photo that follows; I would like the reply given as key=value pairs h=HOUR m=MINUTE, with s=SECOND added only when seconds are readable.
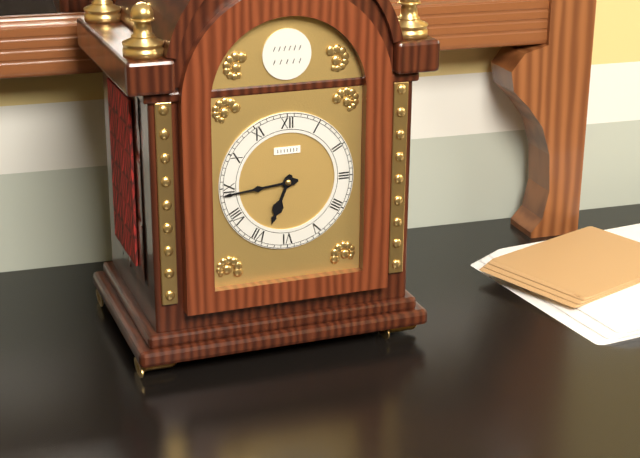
h=6 m=44
